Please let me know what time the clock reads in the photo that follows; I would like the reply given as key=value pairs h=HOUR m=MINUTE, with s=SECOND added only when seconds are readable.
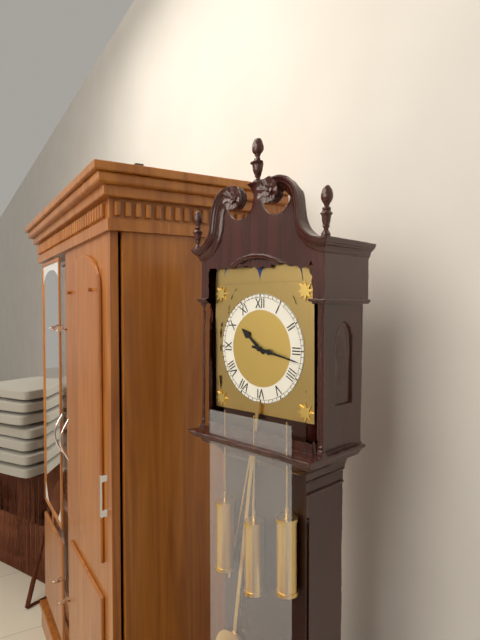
h=10 m=17
